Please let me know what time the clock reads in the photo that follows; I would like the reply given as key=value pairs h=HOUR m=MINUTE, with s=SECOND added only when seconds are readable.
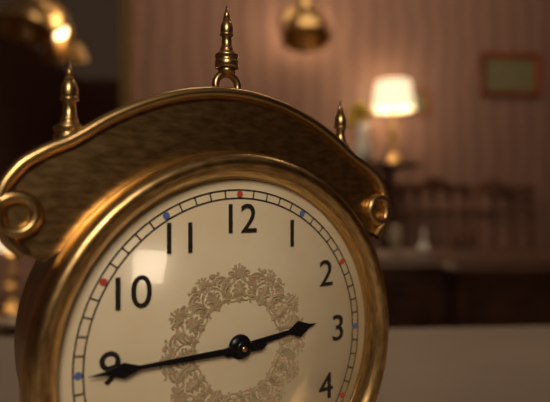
h=2 m=45
